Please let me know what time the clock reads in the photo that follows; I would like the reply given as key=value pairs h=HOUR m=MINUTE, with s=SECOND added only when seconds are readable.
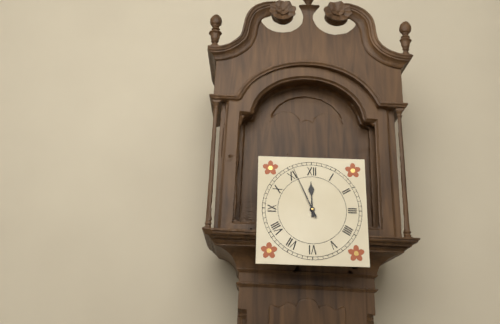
h=11 m=56
